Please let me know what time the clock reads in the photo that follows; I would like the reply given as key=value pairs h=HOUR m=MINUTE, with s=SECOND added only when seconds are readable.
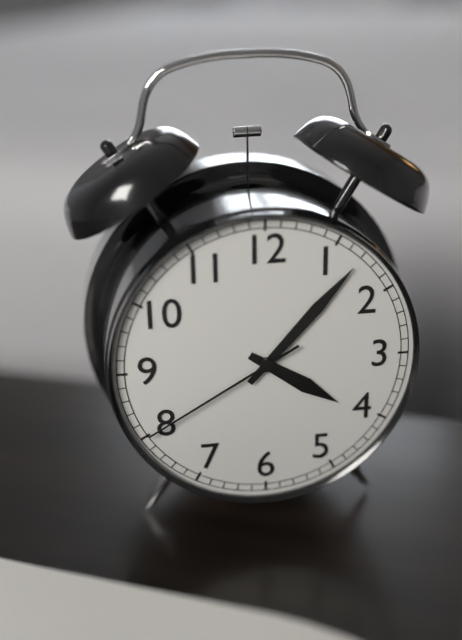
h=4 m=7 s=40
